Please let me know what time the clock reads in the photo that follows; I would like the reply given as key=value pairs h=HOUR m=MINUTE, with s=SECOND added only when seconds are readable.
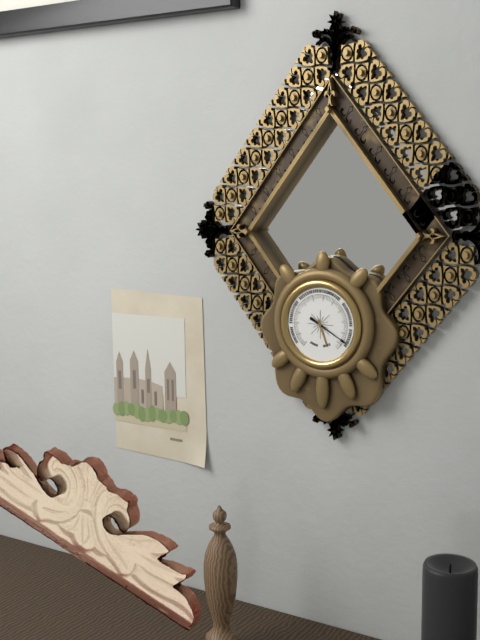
h=5 m=20
